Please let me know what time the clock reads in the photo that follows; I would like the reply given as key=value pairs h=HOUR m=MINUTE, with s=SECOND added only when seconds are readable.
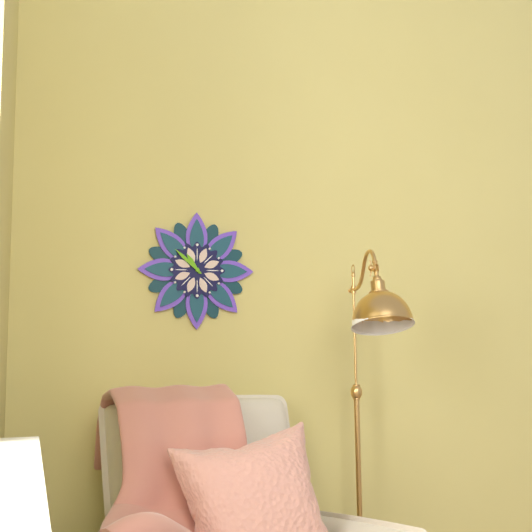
h=10 m=52
